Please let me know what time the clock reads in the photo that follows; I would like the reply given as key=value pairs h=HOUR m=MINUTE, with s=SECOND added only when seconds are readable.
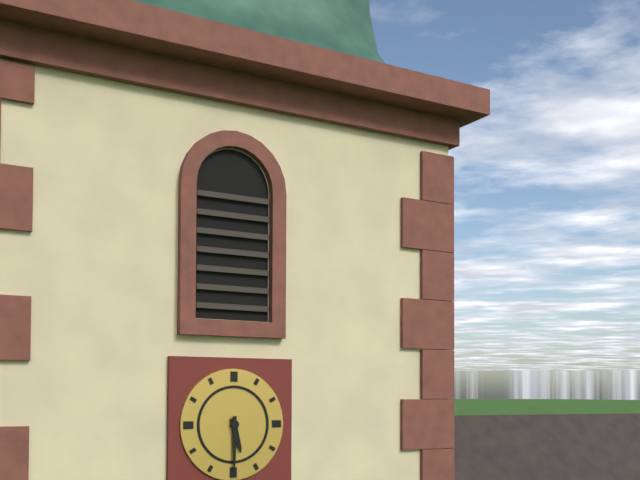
h=5 m=30
